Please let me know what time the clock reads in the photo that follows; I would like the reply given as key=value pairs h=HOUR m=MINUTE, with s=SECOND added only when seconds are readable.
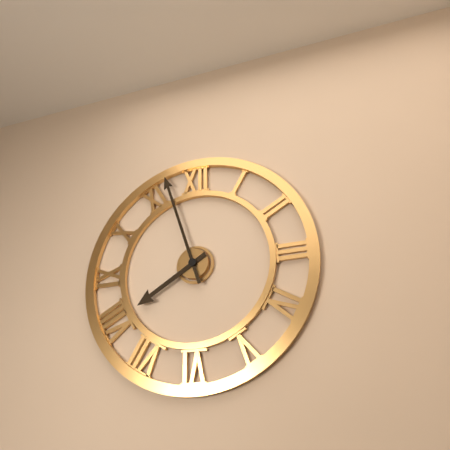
h=7 m=57
